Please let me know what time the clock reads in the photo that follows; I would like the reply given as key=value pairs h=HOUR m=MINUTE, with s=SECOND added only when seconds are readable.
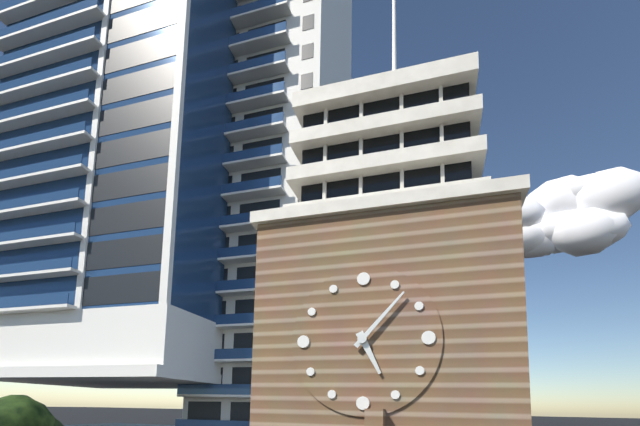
h=5 m=7
